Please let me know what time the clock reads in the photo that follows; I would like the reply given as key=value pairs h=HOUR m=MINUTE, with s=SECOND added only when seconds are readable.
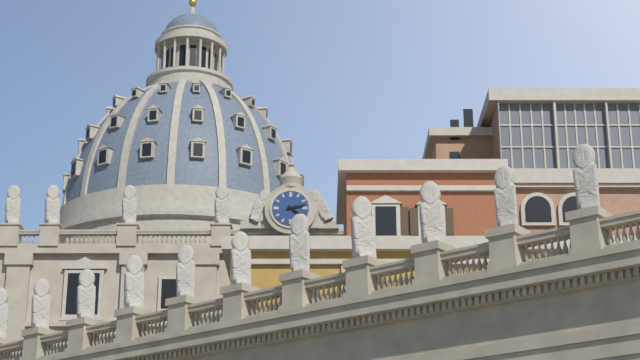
h=4 m=13
